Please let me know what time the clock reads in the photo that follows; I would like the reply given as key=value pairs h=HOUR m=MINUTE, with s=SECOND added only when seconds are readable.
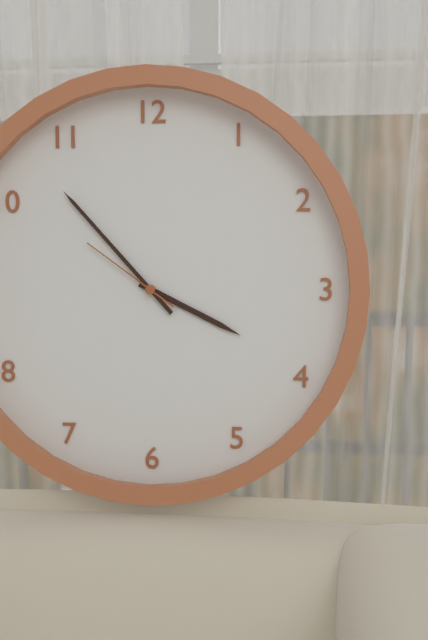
h=3 m=53 s=51
